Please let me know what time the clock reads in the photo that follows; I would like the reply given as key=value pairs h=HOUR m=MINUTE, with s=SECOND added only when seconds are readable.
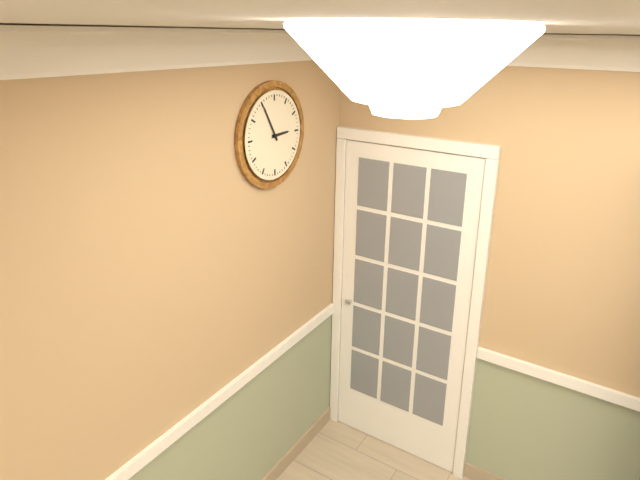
h=2 m=55
